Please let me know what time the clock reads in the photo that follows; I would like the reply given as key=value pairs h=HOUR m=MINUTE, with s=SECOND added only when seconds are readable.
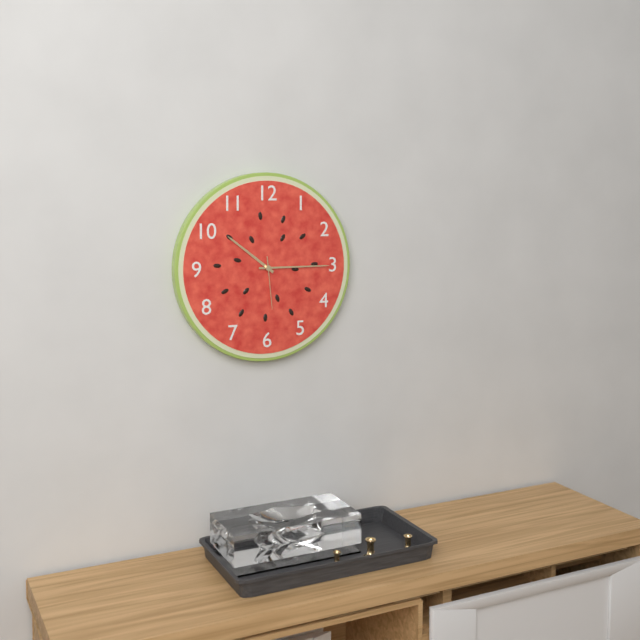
h=10 m=15 s=29
